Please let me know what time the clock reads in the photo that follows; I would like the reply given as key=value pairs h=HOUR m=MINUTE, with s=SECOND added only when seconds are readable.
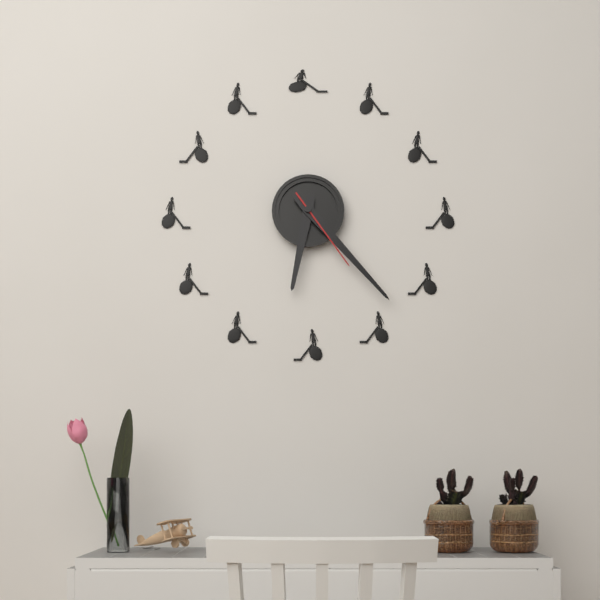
h=6 m=23 s=24
